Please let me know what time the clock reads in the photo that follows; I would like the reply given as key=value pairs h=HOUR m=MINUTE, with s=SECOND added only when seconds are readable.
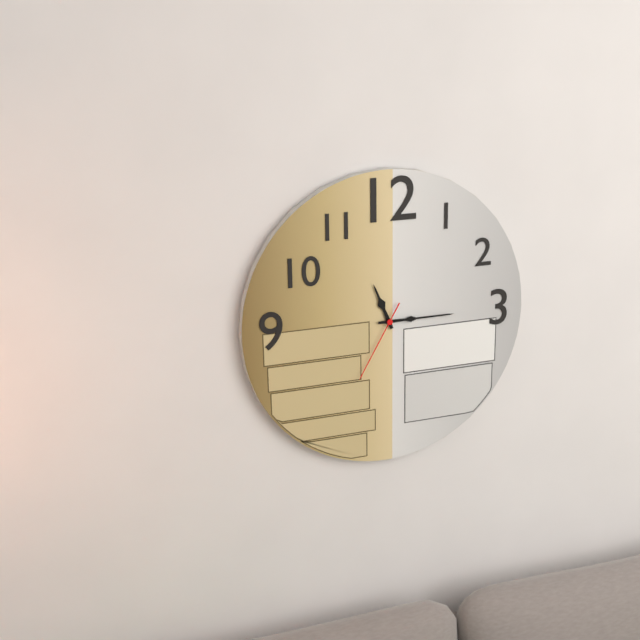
h=11 m=15 s=35
